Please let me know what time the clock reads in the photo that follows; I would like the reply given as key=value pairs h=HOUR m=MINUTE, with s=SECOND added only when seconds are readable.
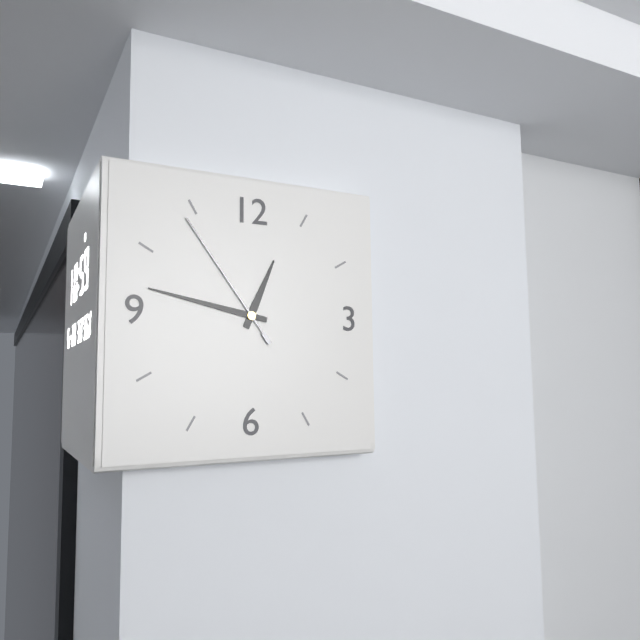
h=12 m=47 s=54
